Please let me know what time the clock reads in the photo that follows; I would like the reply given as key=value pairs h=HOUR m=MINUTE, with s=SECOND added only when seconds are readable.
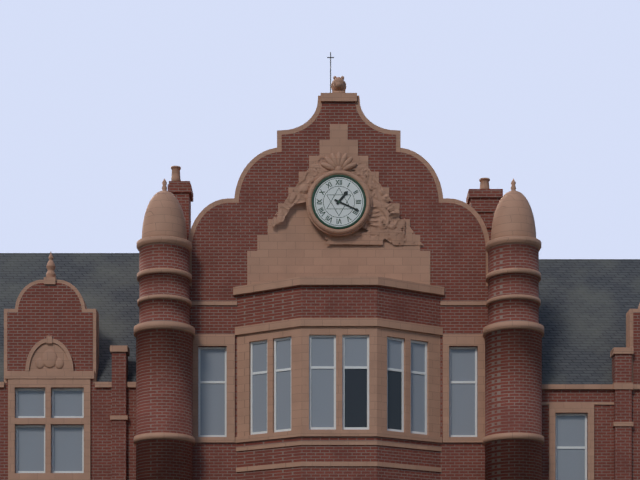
h=1 m=19
